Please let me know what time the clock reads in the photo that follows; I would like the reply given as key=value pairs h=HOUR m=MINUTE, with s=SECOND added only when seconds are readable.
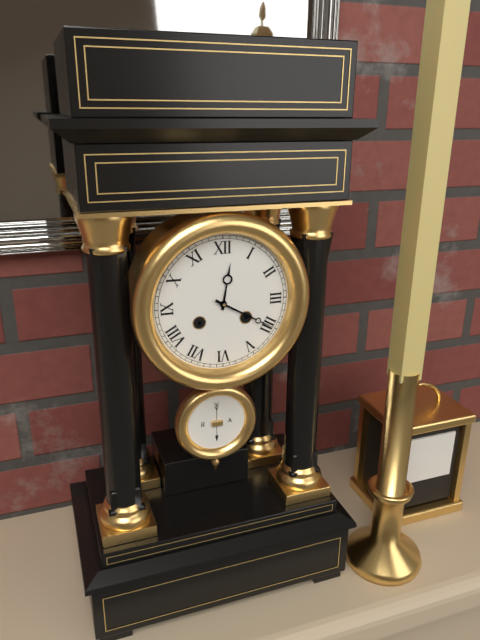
h=12 m=20
